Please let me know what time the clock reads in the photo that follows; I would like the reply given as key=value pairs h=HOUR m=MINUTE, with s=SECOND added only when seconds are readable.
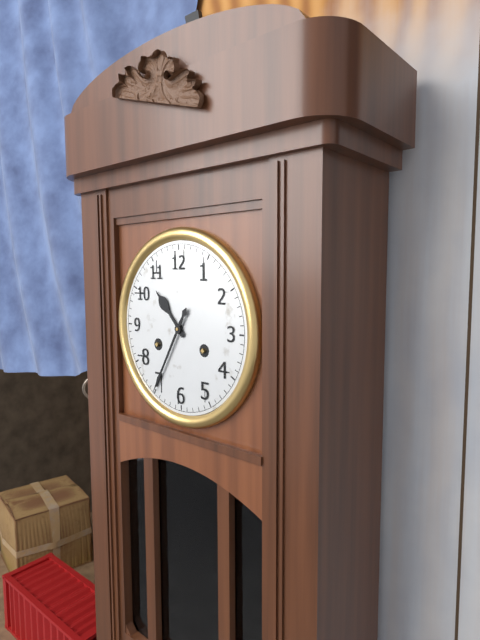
h=10 m=35
